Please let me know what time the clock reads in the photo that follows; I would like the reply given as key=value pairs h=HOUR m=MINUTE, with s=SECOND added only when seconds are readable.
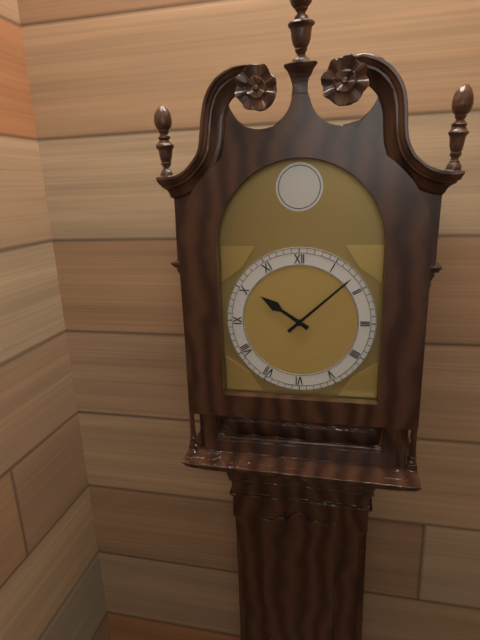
h=10 m=8
